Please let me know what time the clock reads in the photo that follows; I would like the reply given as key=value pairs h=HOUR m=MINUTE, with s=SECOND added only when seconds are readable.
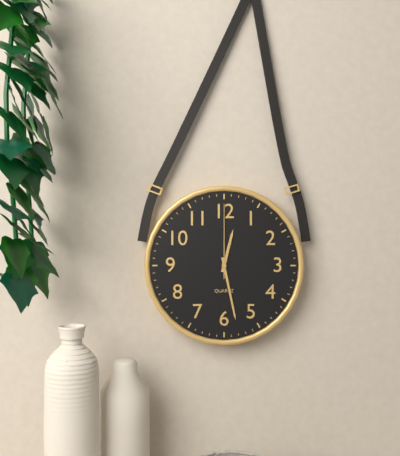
h=12 m=28 s=0
